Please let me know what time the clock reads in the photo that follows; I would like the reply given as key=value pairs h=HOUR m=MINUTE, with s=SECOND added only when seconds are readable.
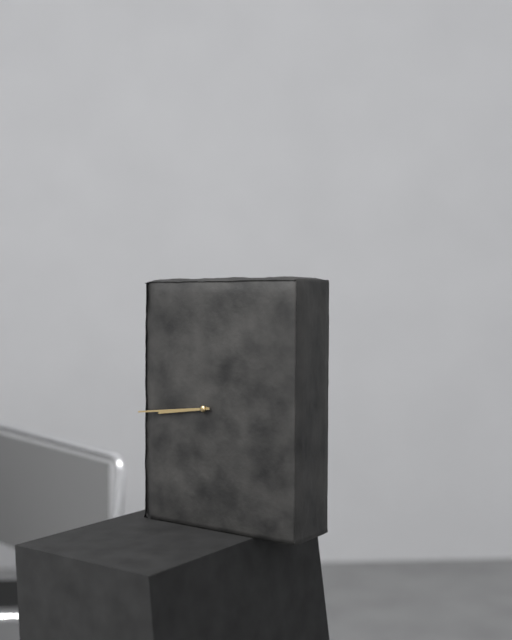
h=8 m=44
